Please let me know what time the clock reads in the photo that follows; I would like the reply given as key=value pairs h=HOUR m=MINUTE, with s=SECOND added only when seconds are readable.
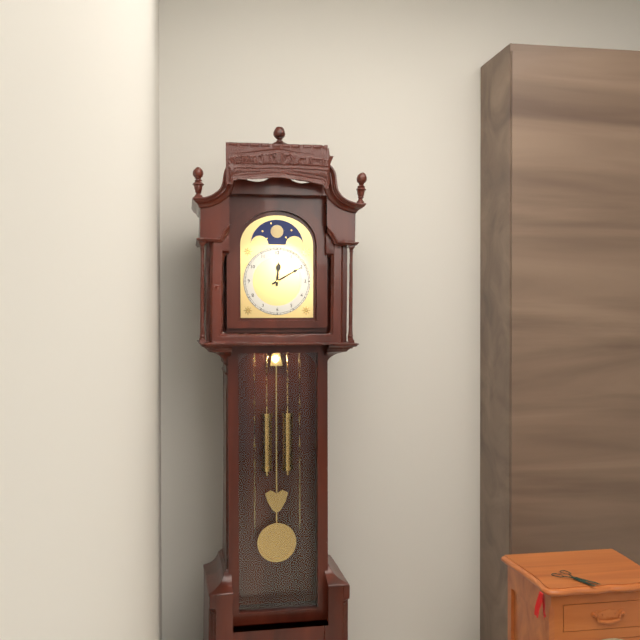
h=12 m=10
